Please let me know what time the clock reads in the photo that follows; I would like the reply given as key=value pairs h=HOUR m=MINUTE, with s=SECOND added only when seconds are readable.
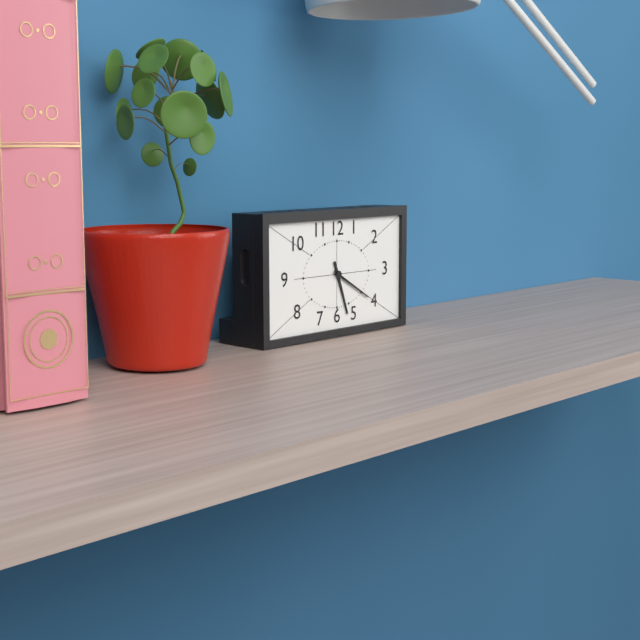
h=5 m=20
